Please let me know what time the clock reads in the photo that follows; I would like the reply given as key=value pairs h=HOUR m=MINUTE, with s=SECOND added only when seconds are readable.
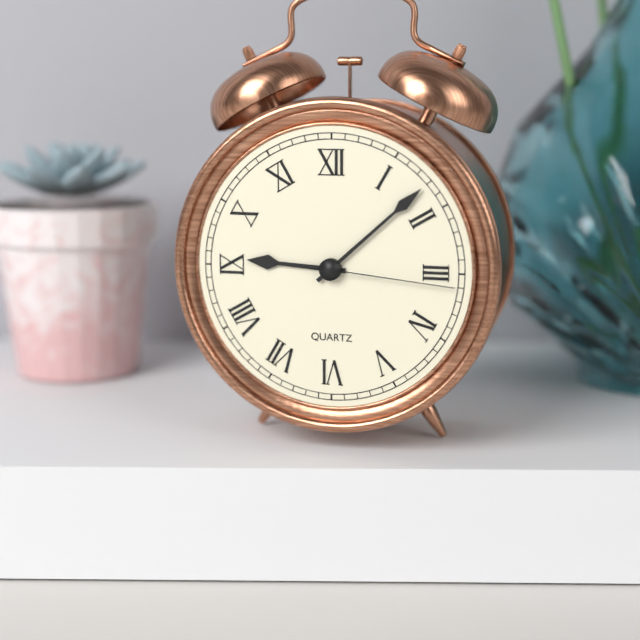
h=9 m=8 s=16
